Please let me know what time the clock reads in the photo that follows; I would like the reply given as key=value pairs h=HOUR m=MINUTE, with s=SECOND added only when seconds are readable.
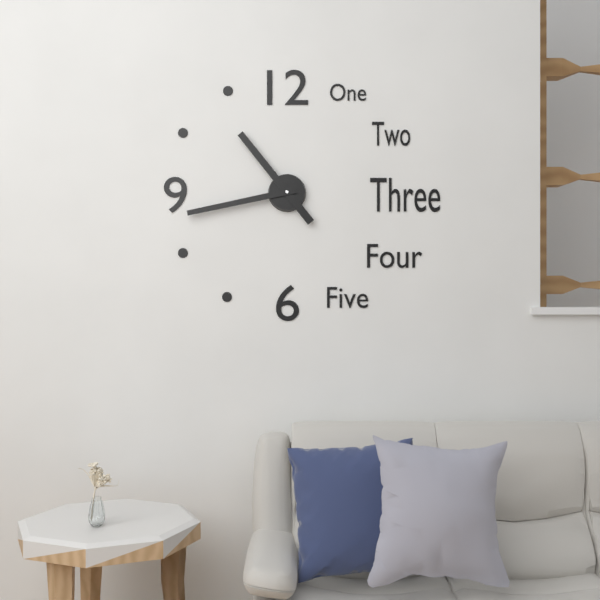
h=10 m=43
